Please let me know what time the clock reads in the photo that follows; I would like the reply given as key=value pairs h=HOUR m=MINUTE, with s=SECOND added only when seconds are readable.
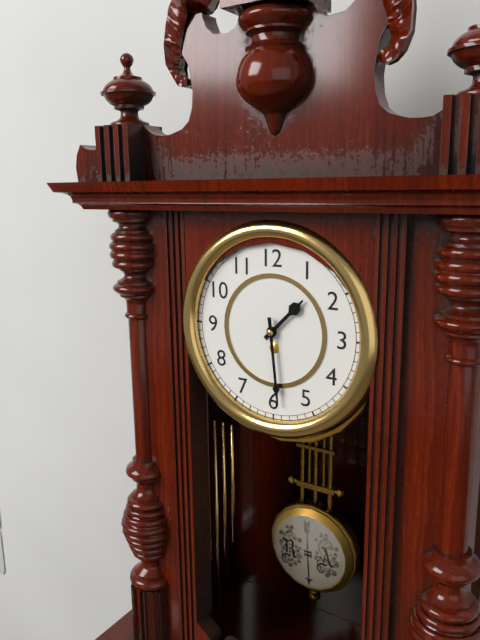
h=1 m=29
